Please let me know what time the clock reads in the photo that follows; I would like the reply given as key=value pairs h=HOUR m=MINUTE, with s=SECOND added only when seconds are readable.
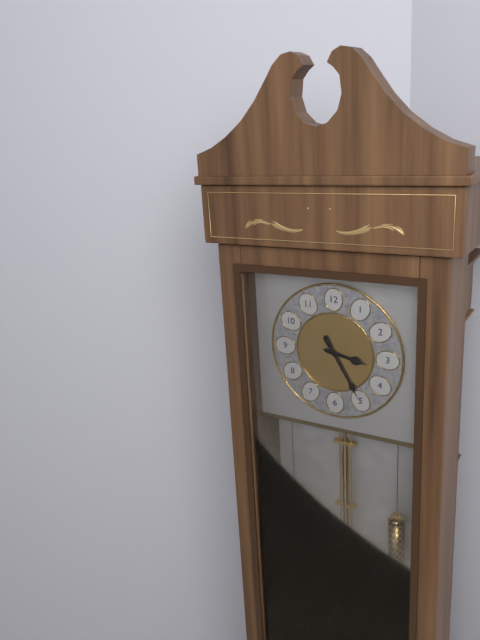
h=3 m=25
